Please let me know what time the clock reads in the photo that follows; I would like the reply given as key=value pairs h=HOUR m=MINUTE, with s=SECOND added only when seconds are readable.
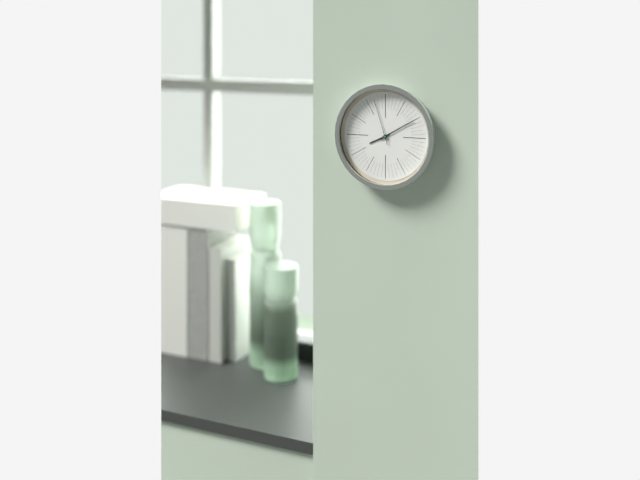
h=8 m=10
